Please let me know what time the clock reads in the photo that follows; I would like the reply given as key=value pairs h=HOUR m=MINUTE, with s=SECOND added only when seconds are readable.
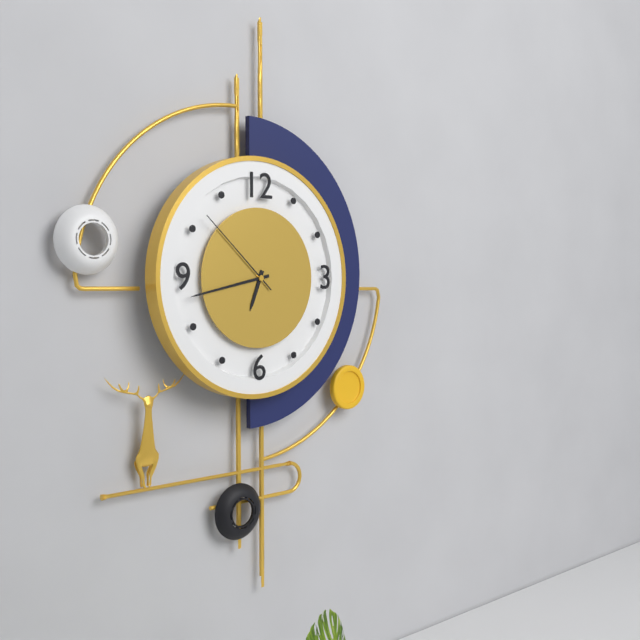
h=6 m=43 s=52
